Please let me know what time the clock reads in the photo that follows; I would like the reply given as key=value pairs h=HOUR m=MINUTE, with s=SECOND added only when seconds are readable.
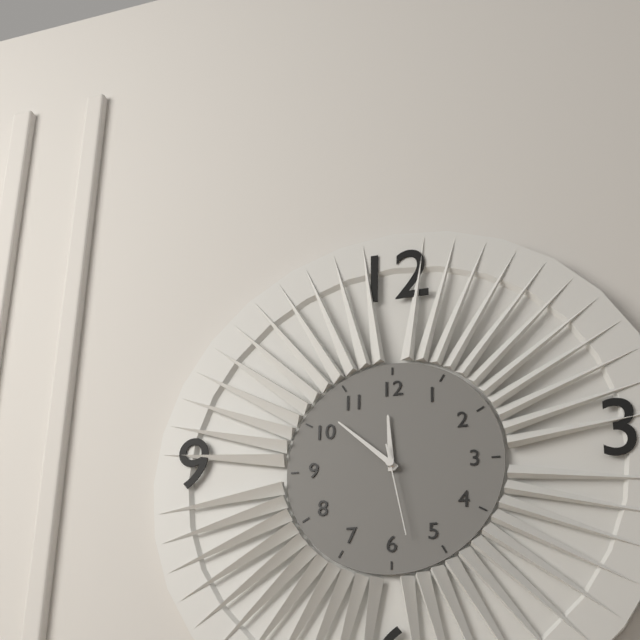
h=11 m=52 s=28
